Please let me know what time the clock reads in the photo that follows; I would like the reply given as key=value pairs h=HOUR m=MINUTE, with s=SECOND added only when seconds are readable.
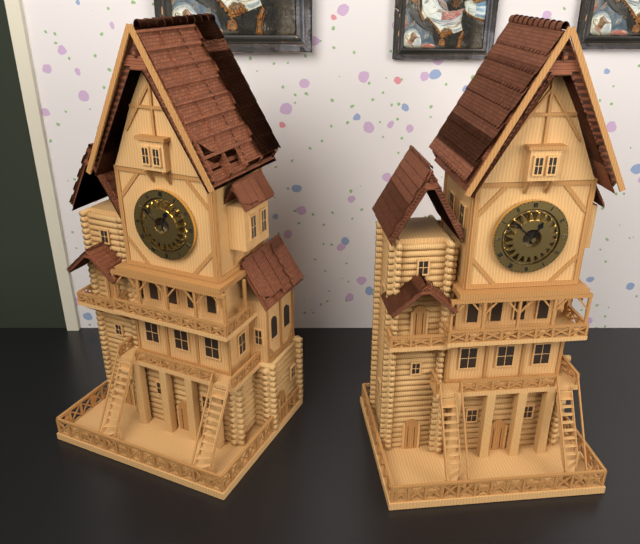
h=12 m=52
